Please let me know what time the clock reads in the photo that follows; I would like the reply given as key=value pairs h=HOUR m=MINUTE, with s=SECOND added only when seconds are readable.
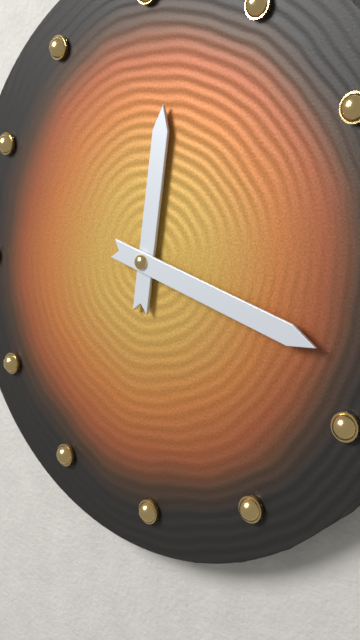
h=12 m=18
